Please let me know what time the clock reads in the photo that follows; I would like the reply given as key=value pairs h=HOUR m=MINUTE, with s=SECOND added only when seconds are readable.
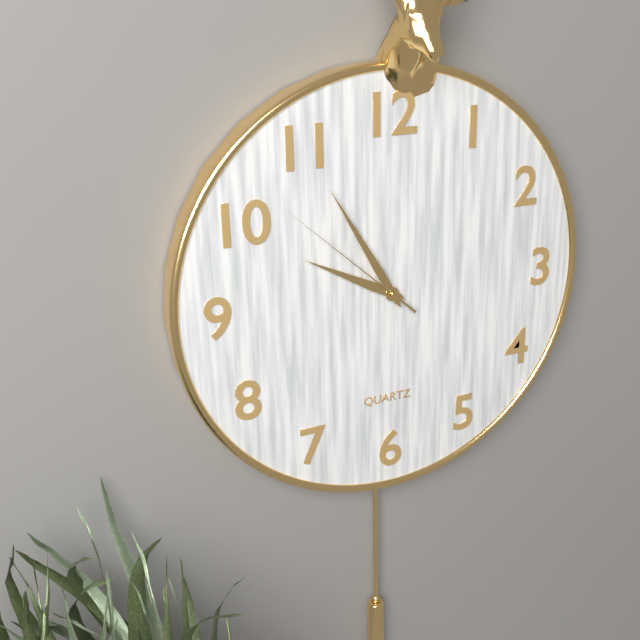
h=9 m=55 s=52
